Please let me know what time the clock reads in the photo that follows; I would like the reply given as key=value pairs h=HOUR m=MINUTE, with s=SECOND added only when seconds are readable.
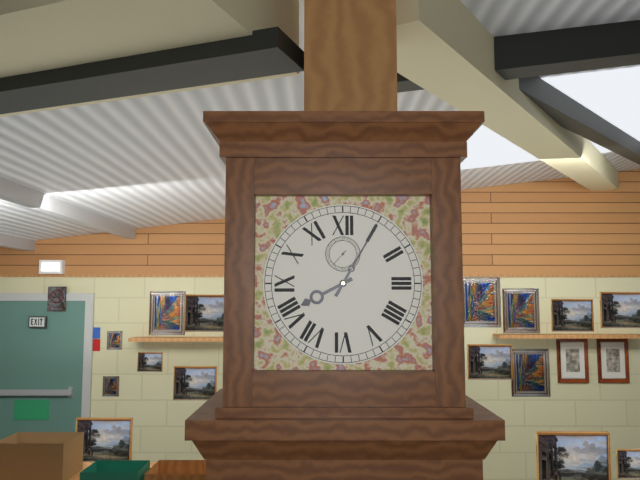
h=8 m=5
